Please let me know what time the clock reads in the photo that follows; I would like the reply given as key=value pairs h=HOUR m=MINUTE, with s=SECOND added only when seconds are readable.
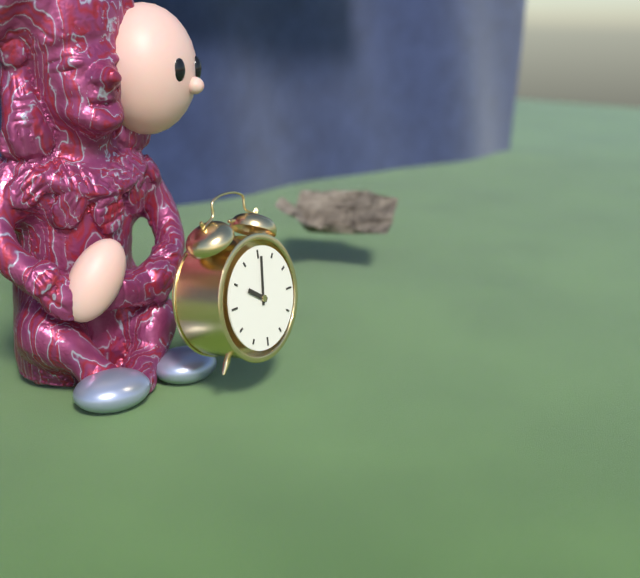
h=10 m=1
